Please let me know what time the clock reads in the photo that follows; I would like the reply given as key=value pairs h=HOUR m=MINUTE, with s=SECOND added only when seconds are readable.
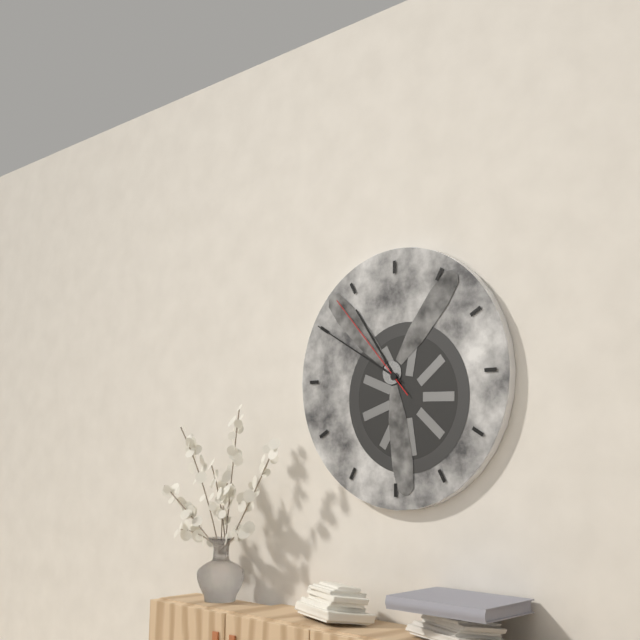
h=10 m=50 s=53
